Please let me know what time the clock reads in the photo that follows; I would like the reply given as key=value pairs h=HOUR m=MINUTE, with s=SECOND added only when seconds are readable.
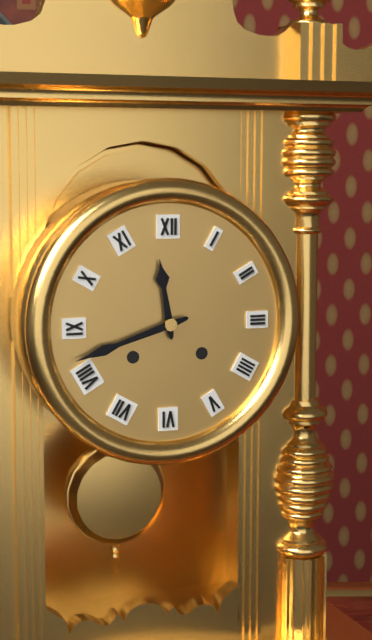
h=11 m=42
